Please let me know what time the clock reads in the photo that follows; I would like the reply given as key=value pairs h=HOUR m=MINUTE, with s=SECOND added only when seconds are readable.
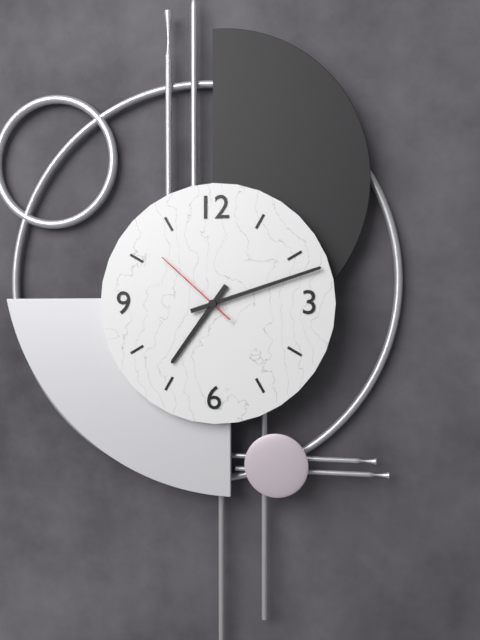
h=7 m=12 s=52
